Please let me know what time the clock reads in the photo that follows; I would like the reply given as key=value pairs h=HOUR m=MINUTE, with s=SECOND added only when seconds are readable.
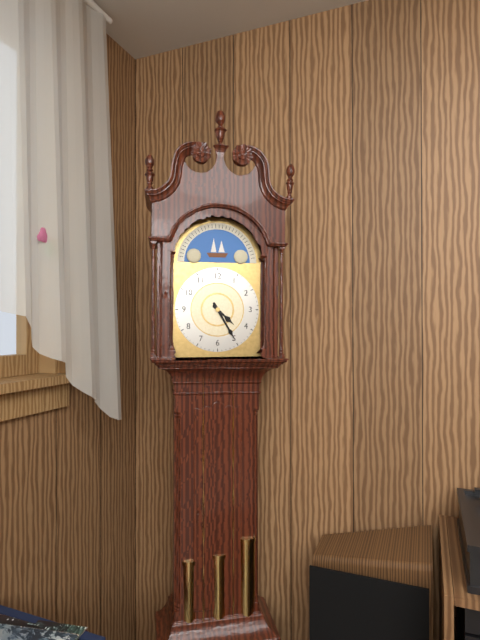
h=4 m=25
